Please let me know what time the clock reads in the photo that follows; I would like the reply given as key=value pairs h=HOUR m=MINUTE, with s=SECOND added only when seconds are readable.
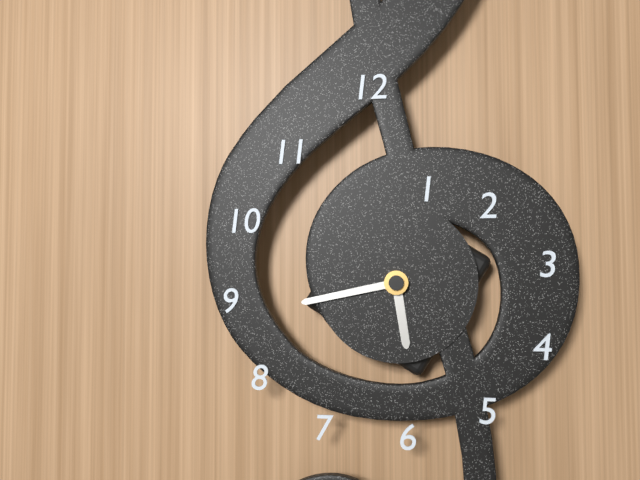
h=5 m=43
